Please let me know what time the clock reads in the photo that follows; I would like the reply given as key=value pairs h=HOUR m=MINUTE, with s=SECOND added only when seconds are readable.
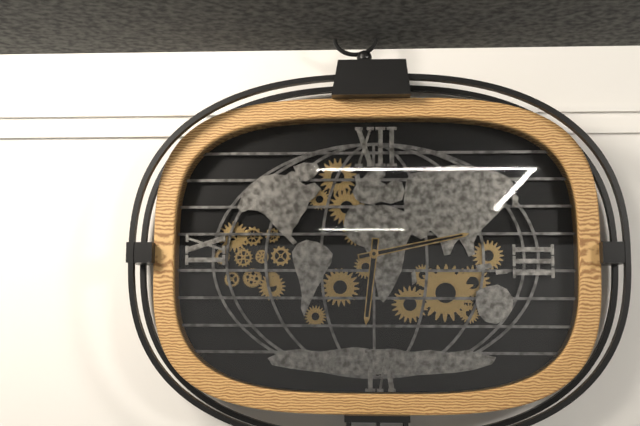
h=6 m=13
